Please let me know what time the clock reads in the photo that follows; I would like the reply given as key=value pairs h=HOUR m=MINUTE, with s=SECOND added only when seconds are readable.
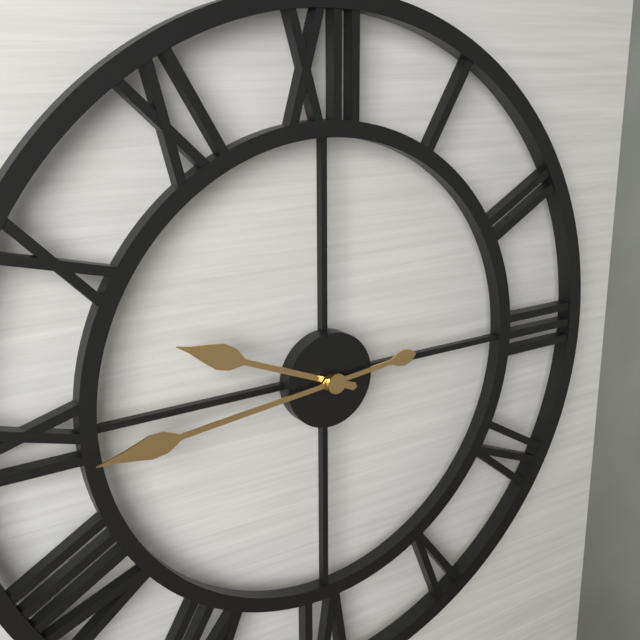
h=9 m=44
